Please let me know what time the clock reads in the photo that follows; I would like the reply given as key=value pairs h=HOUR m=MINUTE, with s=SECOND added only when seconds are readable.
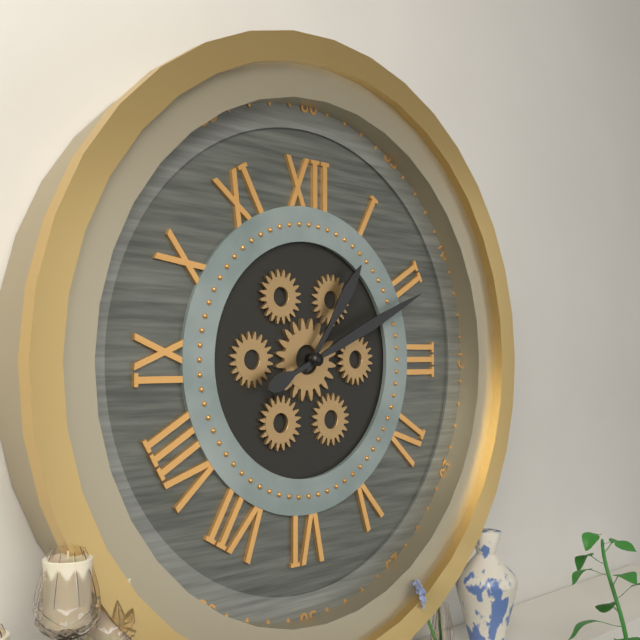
h=1 m=11
